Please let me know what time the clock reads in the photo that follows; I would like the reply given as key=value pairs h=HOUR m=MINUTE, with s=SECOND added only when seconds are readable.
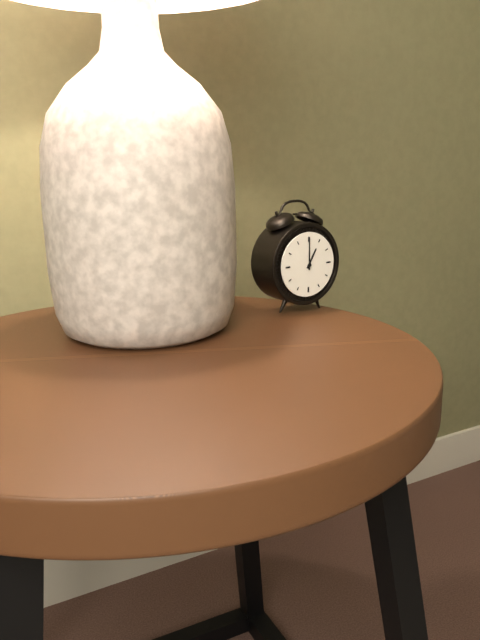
h=1 m=0
